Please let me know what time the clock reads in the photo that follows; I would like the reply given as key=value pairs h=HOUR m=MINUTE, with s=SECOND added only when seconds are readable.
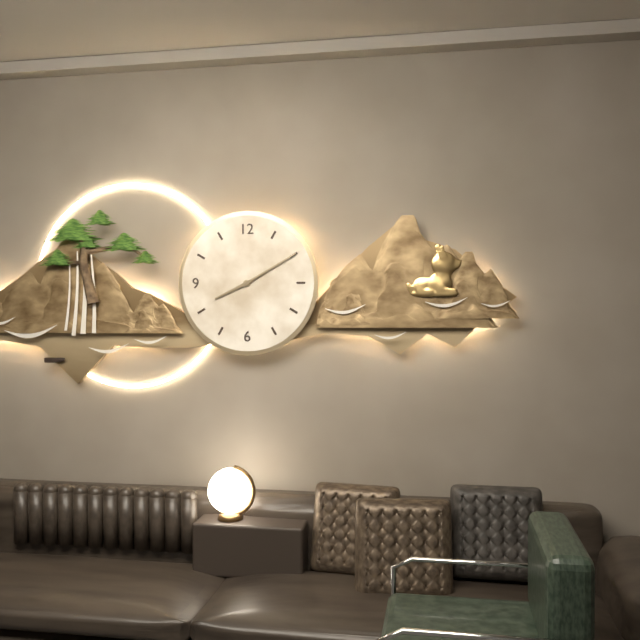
h=8 m=10
